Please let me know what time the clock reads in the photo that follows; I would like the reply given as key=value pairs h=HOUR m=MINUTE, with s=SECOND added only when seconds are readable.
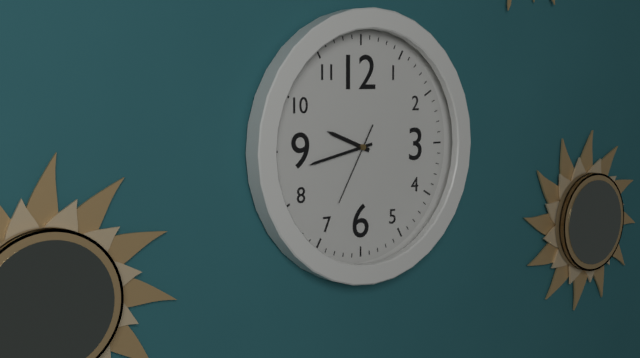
h=9 m=43 s=35
